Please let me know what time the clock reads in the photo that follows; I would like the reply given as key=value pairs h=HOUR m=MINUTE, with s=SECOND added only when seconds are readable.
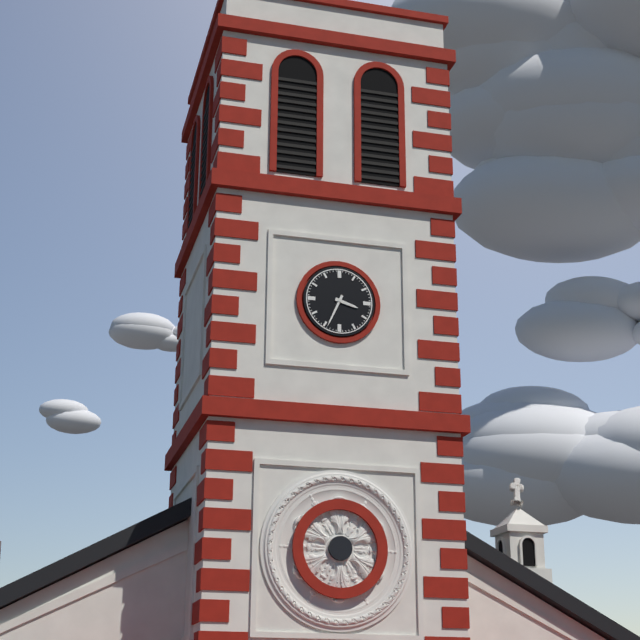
h=3 m=34
